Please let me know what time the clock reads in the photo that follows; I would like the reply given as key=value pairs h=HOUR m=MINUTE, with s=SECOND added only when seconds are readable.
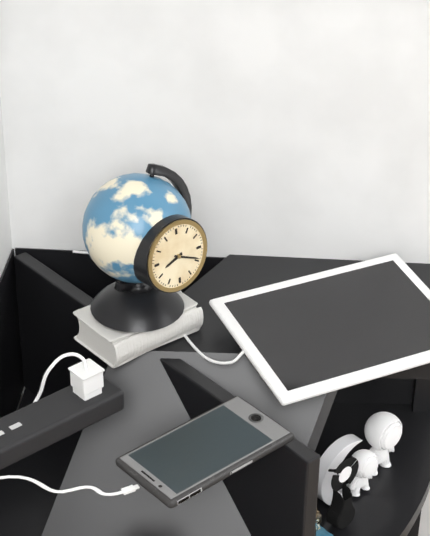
h=8 m=19
